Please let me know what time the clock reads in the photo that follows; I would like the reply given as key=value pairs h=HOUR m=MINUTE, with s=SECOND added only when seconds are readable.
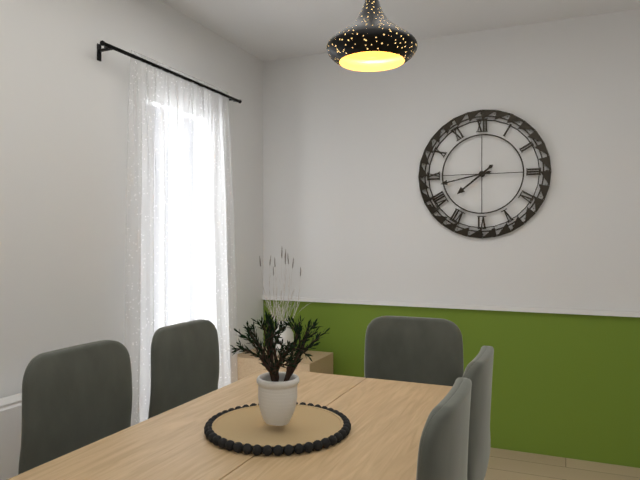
h=7 m=43
